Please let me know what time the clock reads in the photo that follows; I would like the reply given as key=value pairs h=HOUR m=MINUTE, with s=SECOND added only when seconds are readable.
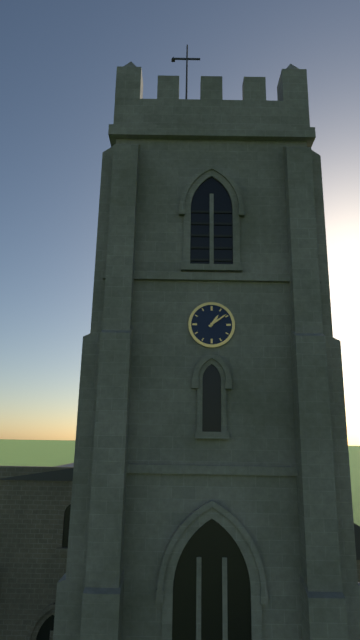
h=1 m=9
